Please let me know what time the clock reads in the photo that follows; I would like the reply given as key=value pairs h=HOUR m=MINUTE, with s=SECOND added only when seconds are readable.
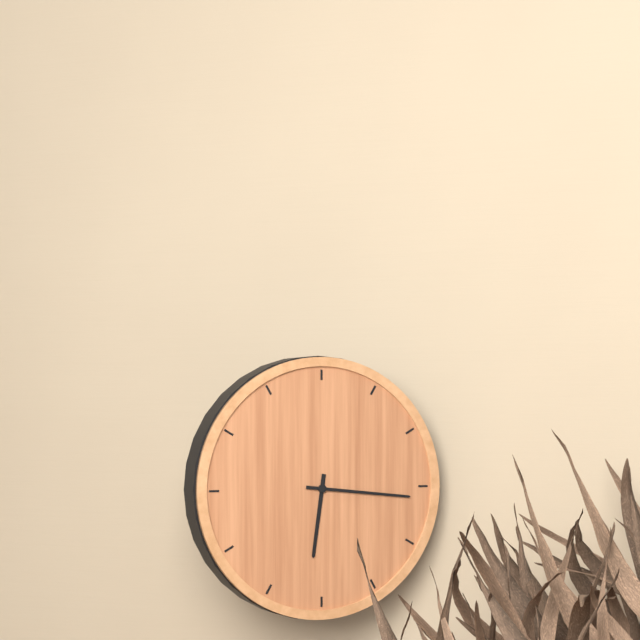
h=6 m=16
